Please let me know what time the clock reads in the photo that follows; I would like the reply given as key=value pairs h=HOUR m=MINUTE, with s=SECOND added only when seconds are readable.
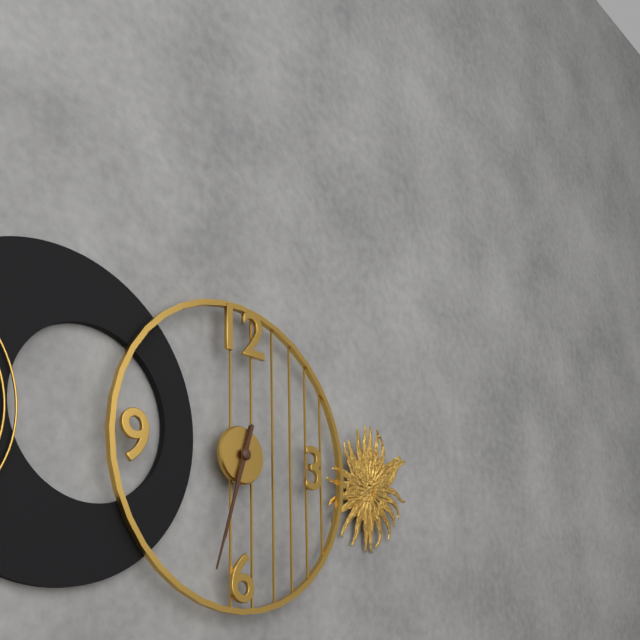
h=6 m=33
